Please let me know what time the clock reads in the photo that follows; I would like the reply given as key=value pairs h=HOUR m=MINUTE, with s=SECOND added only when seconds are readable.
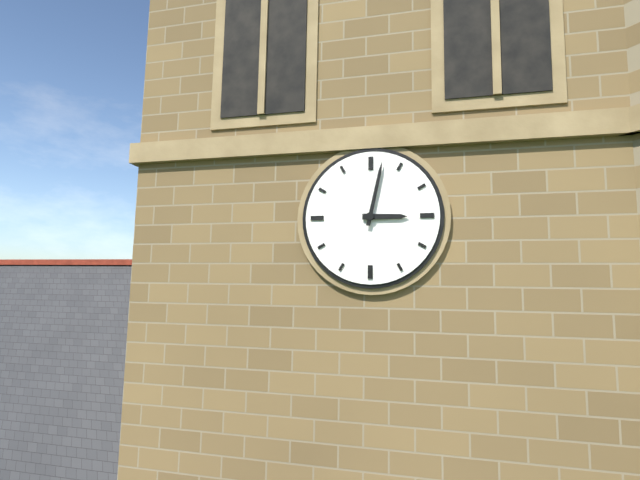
h=3 m=2
